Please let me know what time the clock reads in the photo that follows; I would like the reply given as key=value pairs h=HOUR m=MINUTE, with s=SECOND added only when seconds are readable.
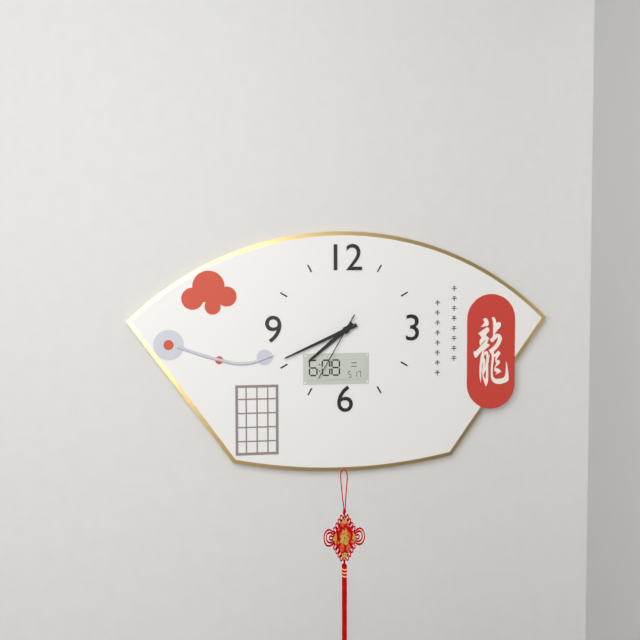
h=7 m=41 s=35
